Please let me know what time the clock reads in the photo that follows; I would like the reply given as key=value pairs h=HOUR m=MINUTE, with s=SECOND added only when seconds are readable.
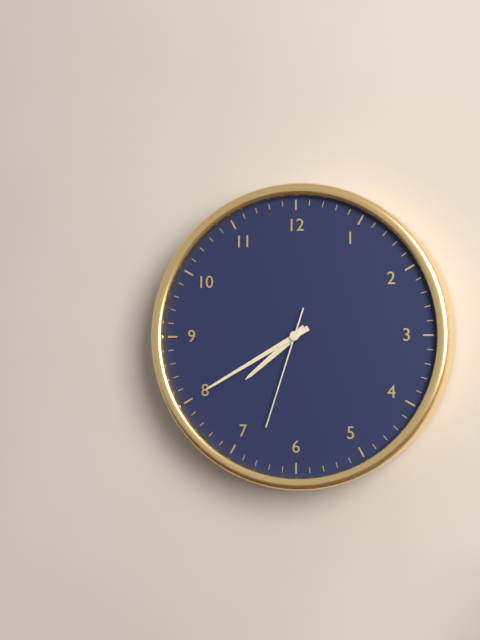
h=7 m=40 s=33
